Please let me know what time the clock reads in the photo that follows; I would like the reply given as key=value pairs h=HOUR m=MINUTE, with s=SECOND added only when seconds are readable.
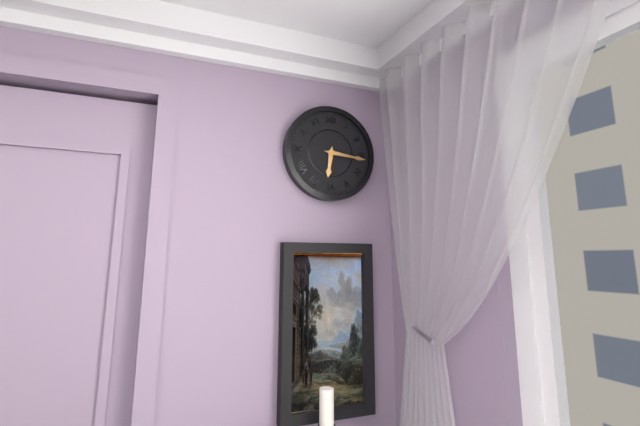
h=6 m=16
